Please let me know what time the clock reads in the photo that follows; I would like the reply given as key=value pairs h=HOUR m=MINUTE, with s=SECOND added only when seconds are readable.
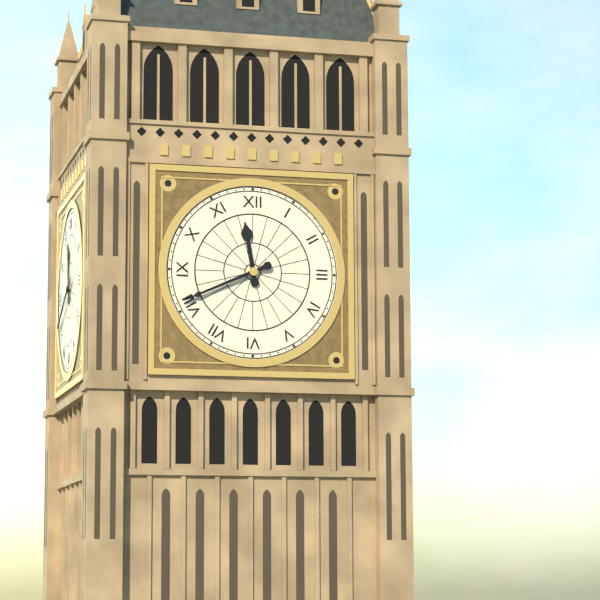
h=11 m=41
